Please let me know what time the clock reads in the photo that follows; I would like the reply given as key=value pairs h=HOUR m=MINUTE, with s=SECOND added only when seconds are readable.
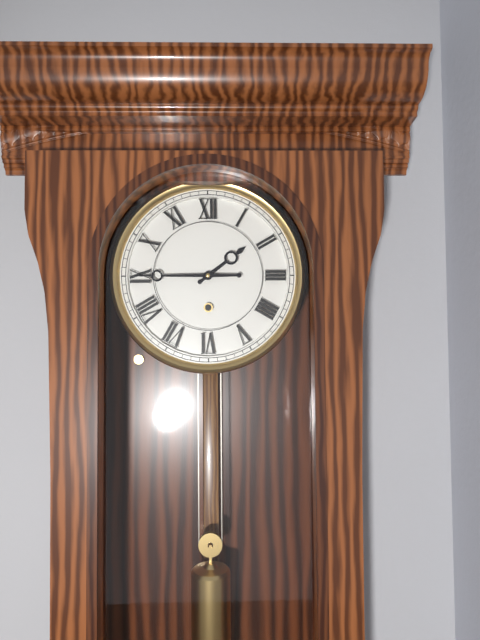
h=1 m=45
